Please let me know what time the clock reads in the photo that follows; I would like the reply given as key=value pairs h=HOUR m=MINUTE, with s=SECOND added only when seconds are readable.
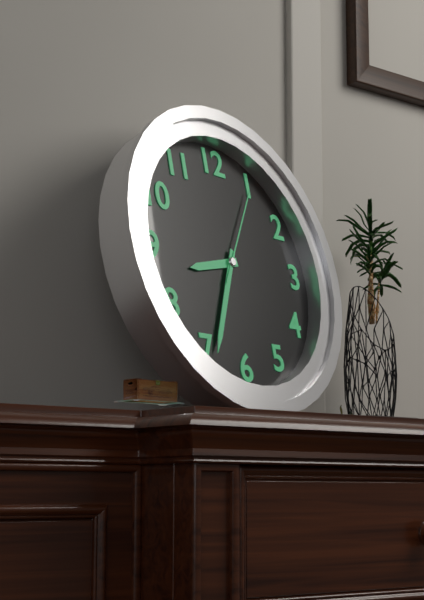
h=8 m=34 s=5
